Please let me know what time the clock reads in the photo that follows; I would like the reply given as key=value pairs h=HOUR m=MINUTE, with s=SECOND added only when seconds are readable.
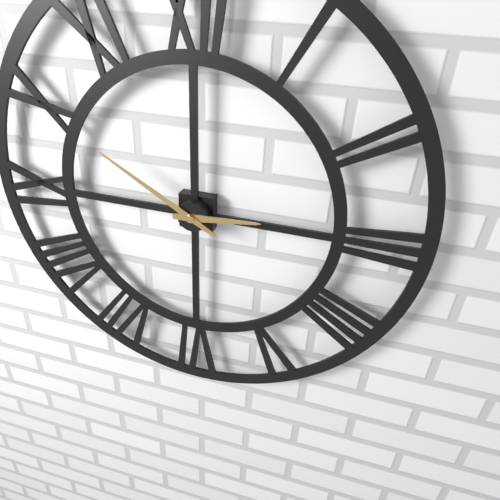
h=2 m=50
